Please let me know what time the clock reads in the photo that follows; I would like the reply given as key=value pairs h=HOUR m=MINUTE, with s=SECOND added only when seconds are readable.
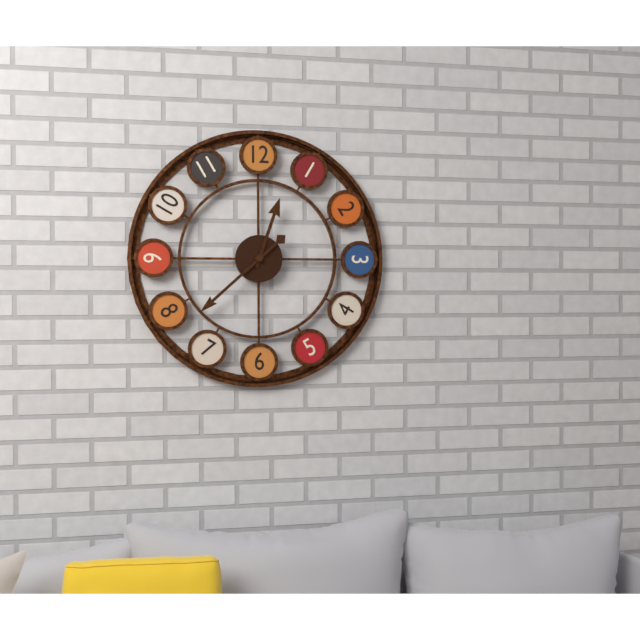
h=12 m=38
